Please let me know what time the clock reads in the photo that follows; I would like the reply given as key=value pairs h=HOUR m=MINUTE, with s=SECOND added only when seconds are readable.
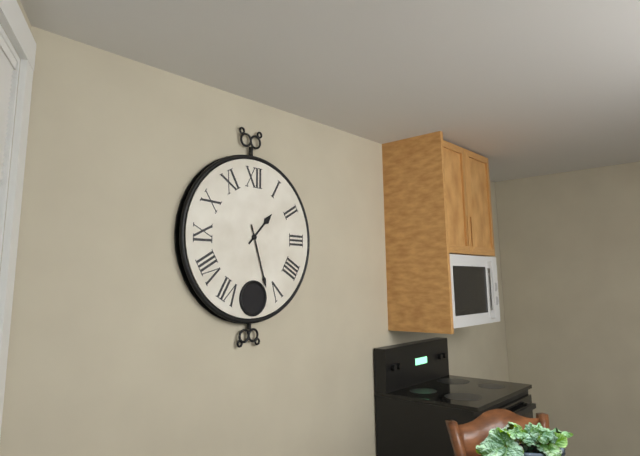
h=1 m=27
